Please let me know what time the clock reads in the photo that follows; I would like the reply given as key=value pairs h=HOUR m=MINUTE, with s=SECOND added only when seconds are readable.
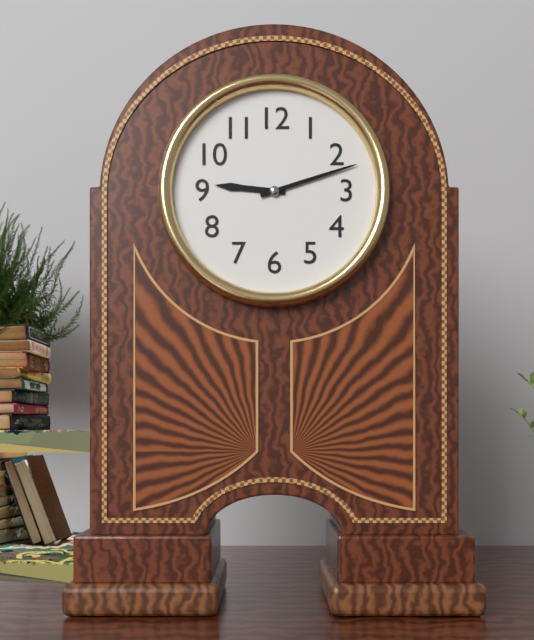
h=9 m=12
